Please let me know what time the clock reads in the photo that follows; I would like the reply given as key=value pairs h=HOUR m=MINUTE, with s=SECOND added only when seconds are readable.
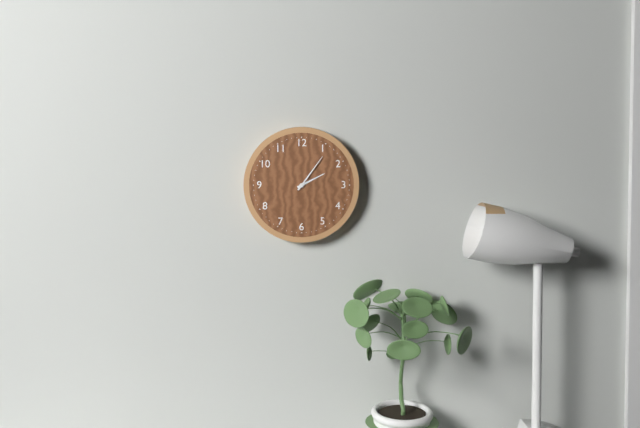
h=2 m=6
